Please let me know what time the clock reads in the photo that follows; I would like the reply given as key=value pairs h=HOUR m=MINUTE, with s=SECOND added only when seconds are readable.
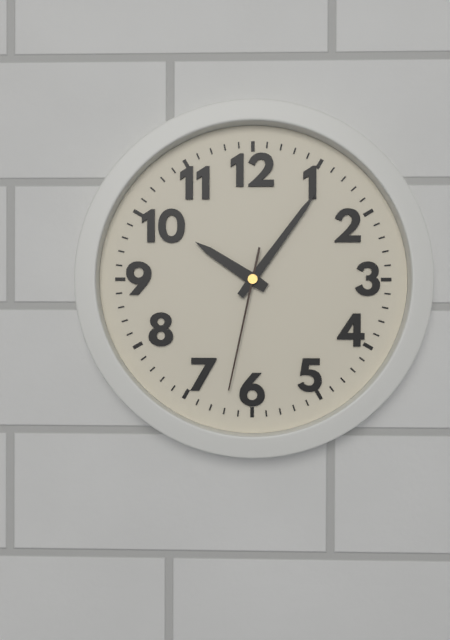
h=10 m=6 s=32
